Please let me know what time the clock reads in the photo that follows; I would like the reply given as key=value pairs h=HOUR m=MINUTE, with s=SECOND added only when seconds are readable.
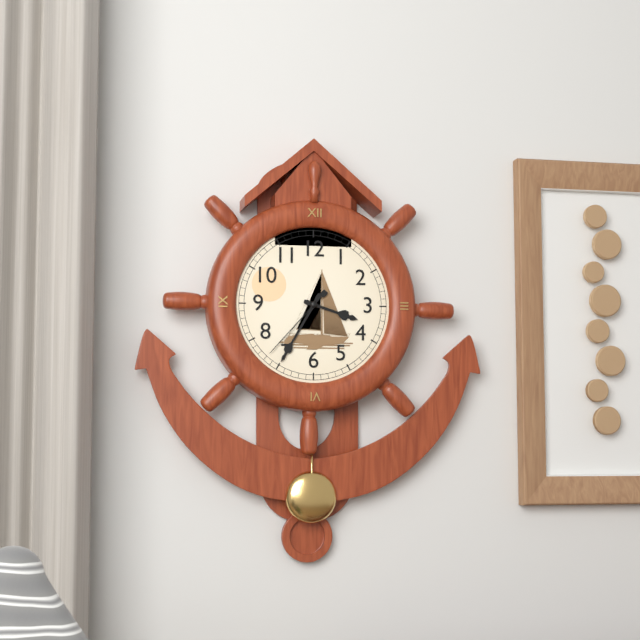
h=3 m=35 s=37
